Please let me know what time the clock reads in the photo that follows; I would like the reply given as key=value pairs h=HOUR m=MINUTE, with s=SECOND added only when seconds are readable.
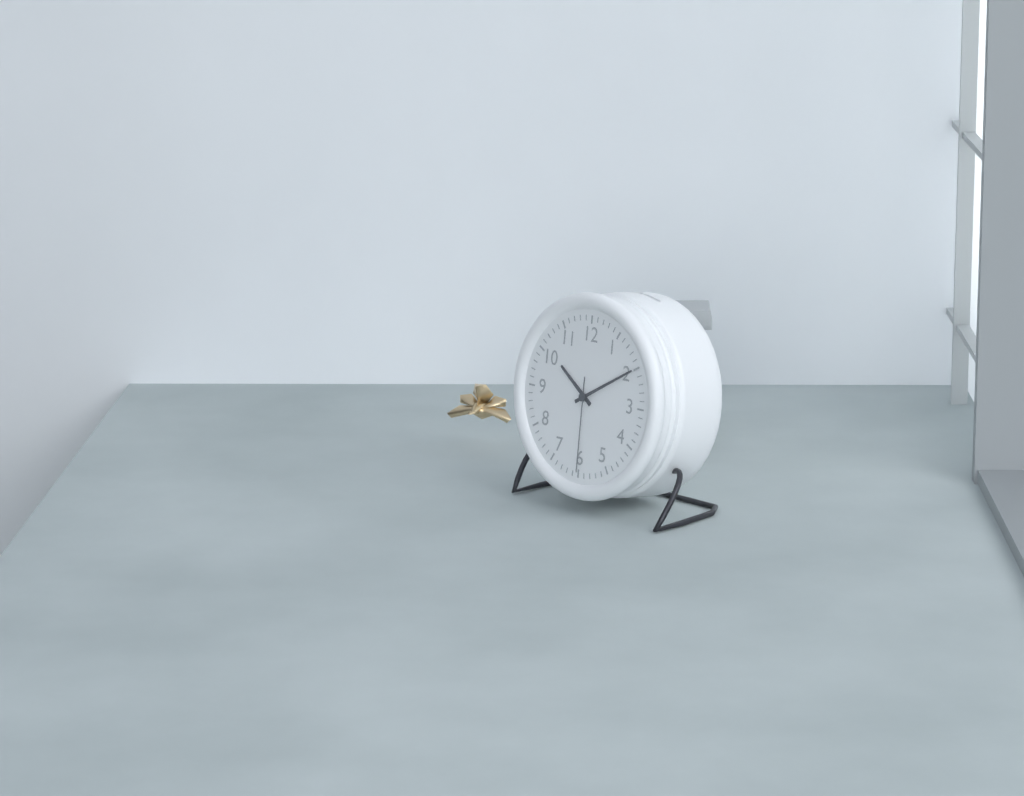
h=10 m=10 s=30
